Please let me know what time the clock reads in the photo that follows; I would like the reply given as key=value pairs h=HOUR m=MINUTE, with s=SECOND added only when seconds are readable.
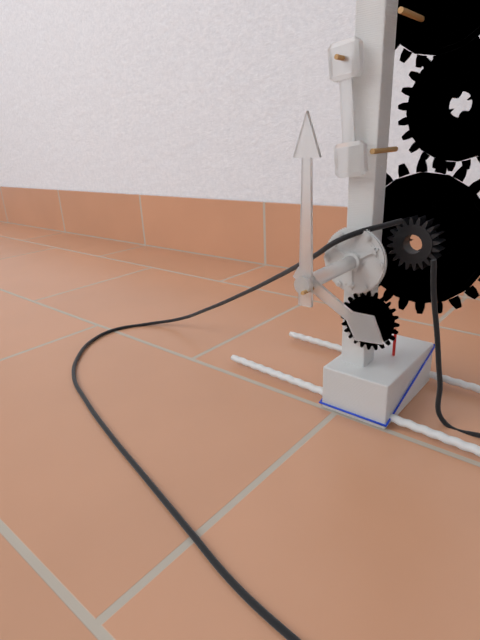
h=4 m=0
